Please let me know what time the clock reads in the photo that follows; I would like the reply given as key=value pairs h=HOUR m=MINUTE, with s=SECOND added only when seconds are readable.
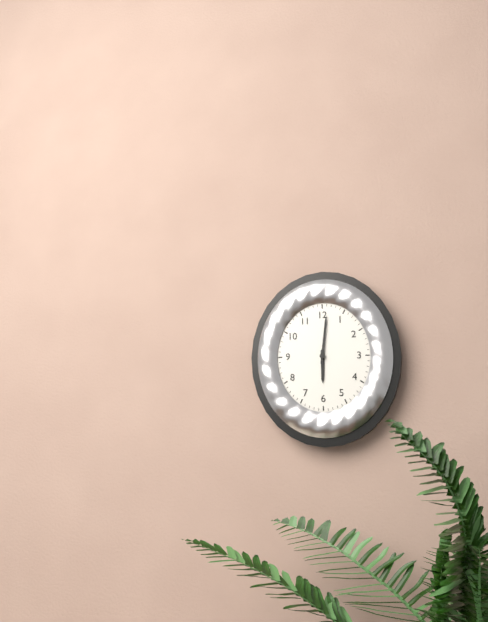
h=6 m=1
